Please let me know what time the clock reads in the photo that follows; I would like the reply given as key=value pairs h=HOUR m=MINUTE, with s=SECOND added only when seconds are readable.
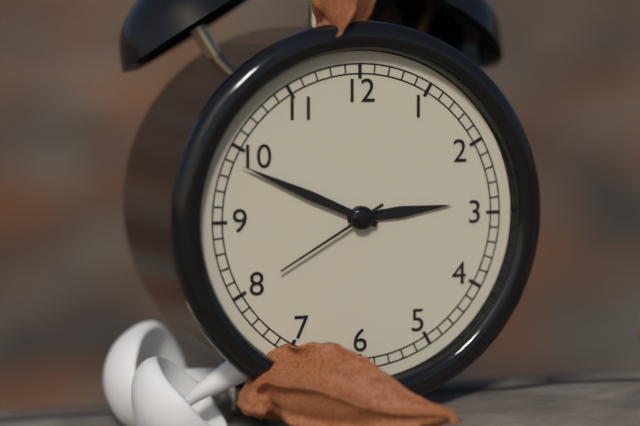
h=2 m=49 s=40
